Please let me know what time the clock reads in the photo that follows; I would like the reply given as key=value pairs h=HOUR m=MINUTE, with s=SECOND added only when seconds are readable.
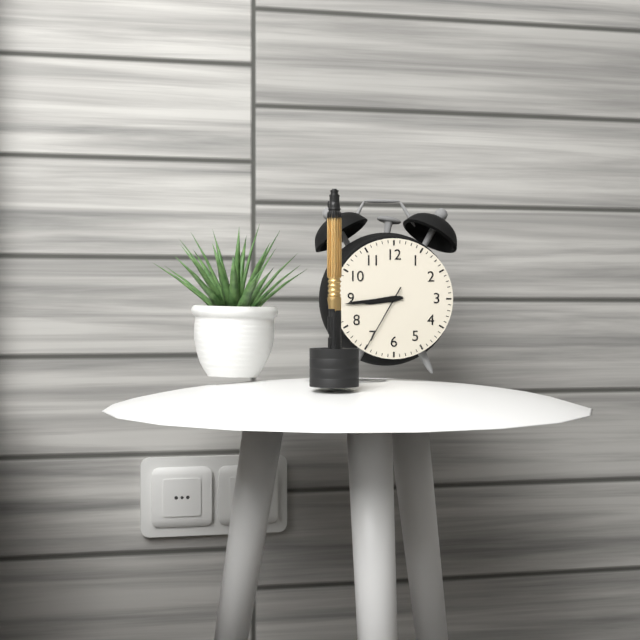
h=8 m=44 s=35
